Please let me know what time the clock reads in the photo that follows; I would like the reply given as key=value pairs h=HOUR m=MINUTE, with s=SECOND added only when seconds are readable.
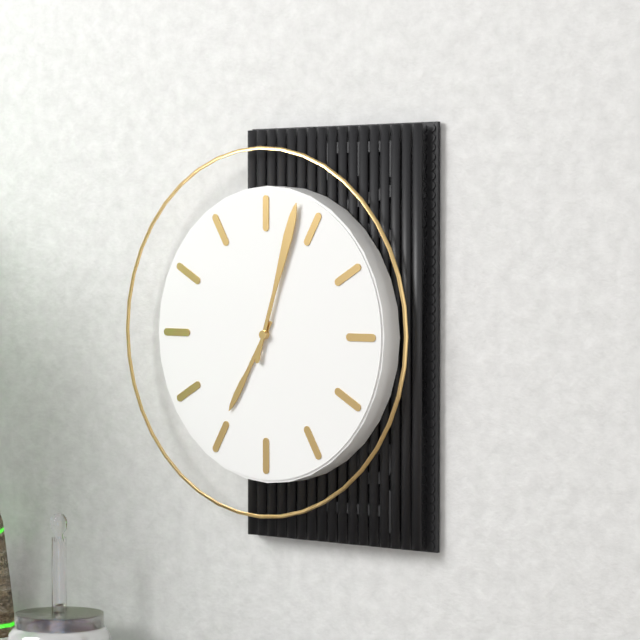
h=7 m=3
